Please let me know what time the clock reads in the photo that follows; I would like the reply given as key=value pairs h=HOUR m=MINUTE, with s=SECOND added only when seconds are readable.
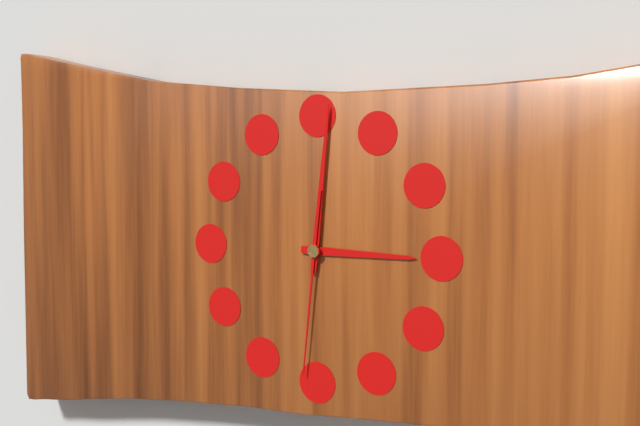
h=3 m=1 s=31
